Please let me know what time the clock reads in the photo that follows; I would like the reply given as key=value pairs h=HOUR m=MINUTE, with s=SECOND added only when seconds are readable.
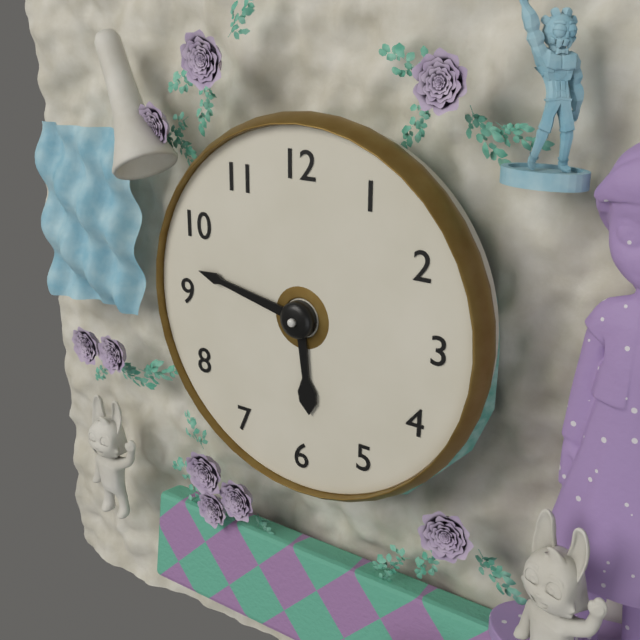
h=5 m=47
